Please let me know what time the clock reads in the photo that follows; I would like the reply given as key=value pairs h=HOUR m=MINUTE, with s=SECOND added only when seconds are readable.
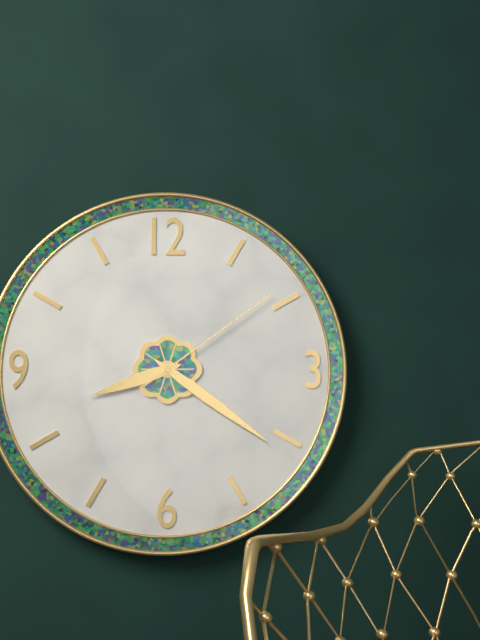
h=8 m=21 s=9
